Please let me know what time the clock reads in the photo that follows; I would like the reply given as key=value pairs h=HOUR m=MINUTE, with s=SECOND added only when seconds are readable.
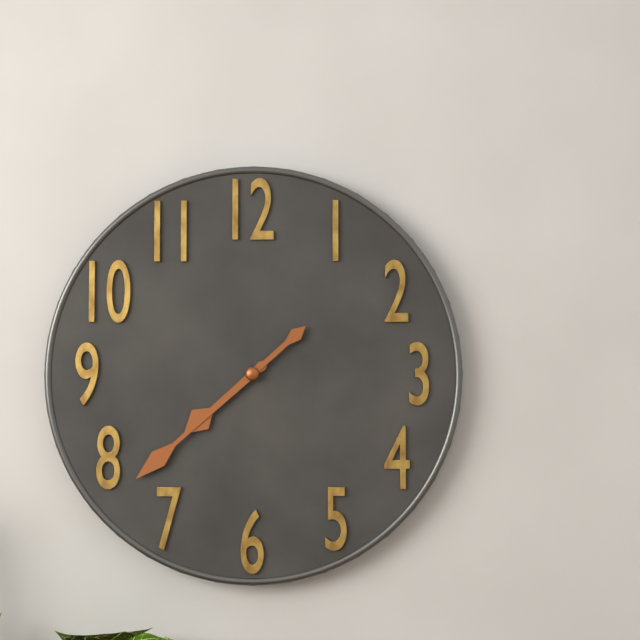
h=7 m=38
